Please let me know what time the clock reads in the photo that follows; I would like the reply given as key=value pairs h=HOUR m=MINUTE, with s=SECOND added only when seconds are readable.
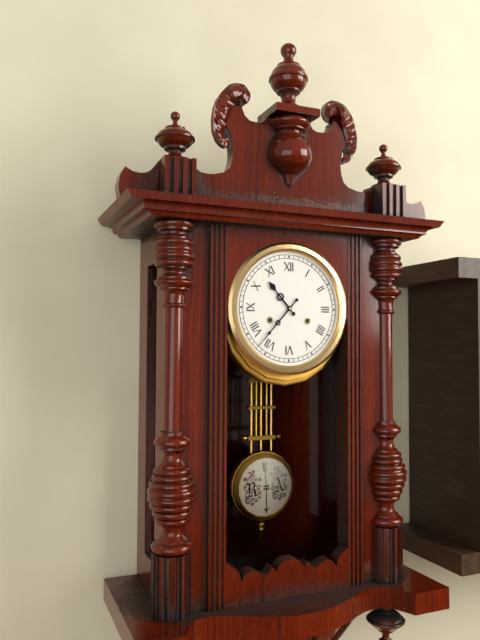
h=10 m=37
